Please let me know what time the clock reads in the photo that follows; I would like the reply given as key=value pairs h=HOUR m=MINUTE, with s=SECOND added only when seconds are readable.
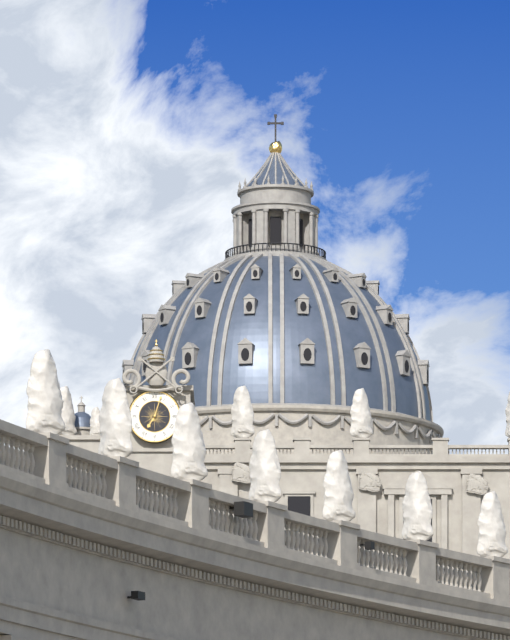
h=7 m=3
